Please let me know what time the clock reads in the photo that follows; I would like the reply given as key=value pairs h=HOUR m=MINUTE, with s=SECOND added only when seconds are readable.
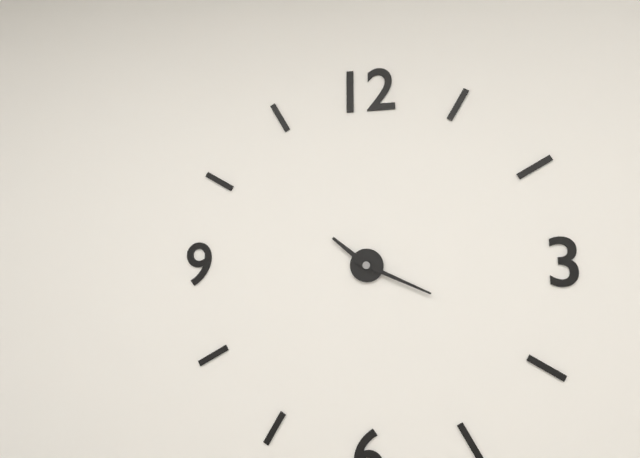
h=10 m=19
